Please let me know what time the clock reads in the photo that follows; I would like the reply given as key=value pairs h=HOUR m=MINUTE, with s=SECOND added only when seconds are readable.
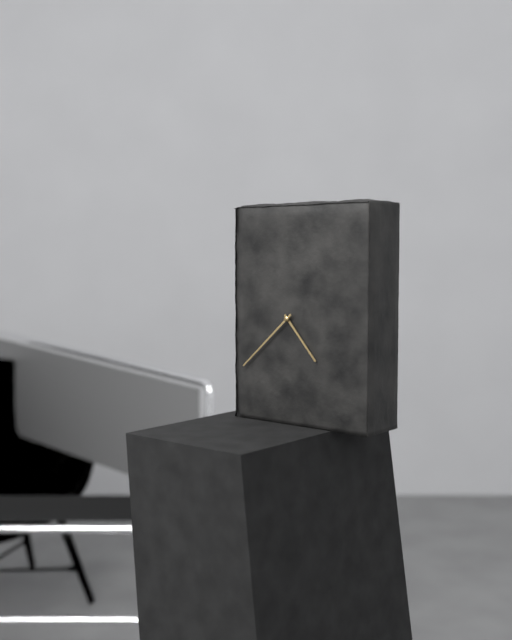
h=4 m=38
